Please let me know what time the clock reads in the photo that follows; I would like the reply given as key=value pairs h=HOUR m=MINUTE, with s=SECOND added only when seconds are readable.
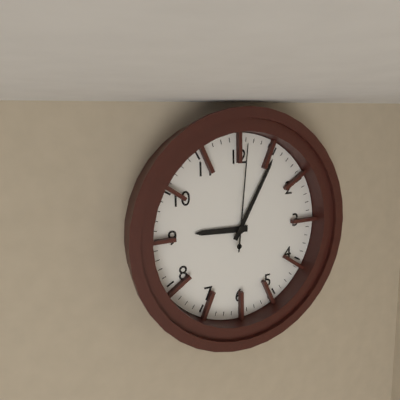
h=9 m=5 s=1
